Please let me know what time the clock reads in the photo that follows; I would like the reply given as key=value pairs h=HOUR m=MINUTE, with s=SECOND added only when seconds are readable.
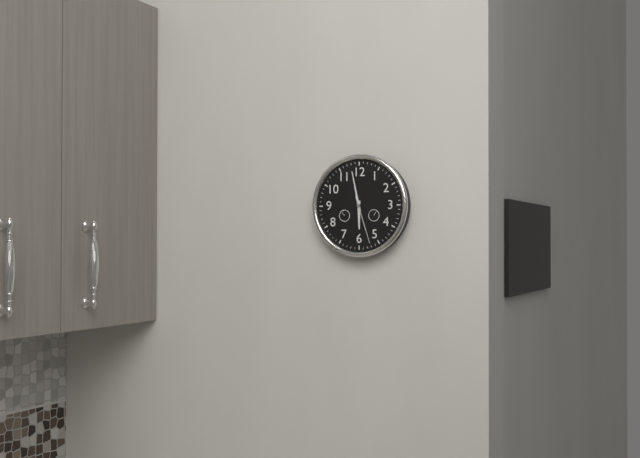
h=5 m=58
